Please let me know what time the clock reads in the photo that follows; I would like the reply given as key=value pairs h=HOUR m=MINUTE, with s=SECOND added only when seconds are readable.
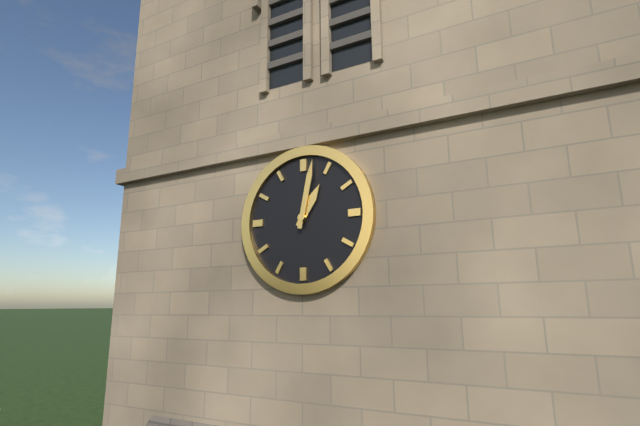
h=1 m=2
